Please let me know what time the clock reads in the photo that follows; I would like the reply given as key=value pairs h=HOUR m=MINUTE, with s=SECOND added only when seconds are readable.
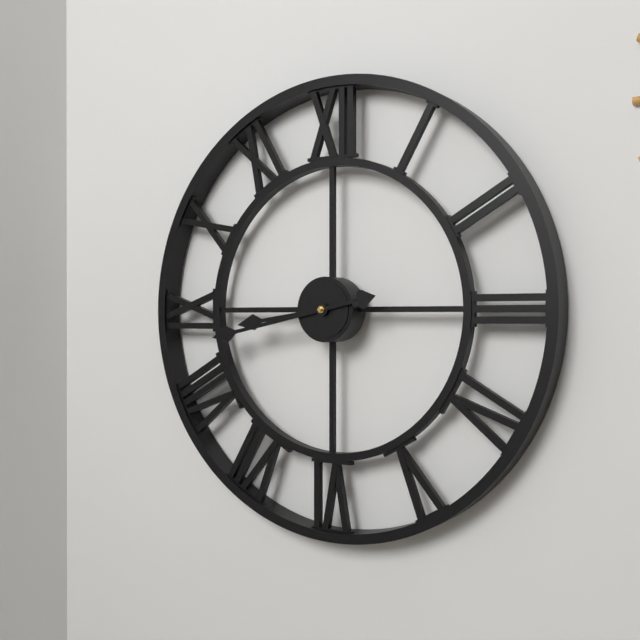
h=8 m=43
